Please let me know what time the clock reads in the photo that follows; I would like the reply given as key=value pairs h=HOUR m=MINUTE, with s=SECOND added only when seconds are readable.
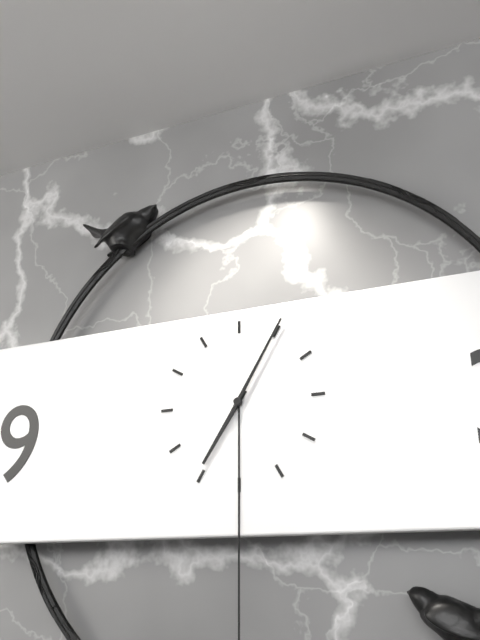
h=7 m=5
